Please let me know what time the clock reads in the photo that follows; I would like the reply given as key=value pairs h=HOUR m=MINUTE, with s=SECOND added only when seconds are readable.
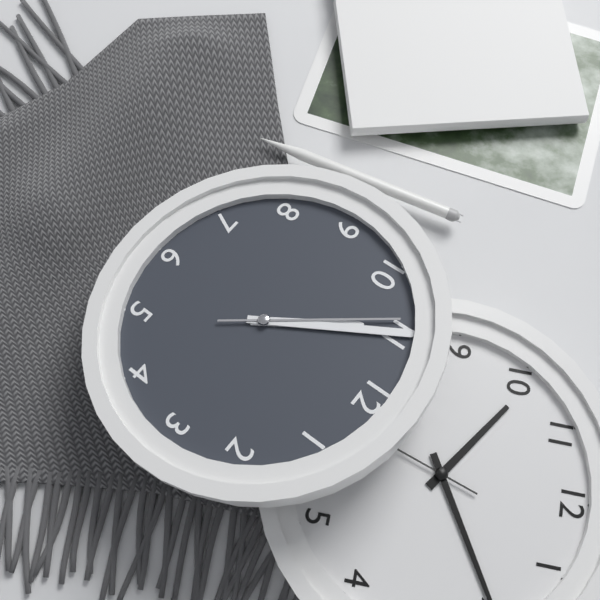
h=10 m=55 s=54
